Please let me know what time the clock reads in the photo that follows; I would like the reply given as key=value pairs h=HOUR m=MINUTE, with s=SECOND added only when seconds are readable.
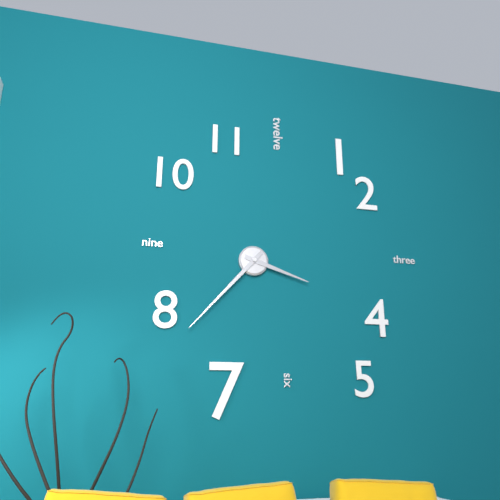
h=3 m=37
